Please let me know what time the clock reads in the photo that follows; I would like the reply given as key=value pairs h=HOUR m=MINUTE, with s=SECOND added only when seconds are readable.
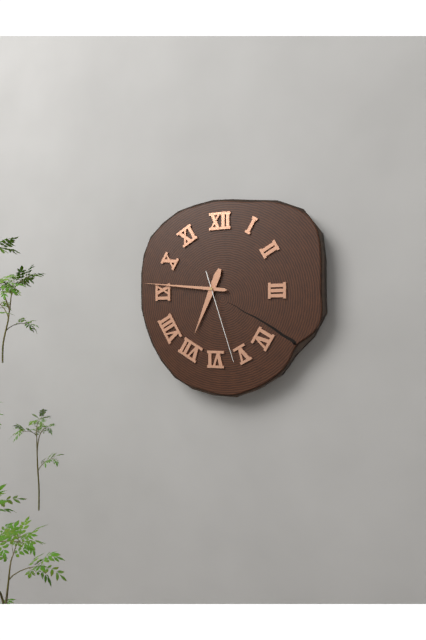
h=6 m=46 s=27
